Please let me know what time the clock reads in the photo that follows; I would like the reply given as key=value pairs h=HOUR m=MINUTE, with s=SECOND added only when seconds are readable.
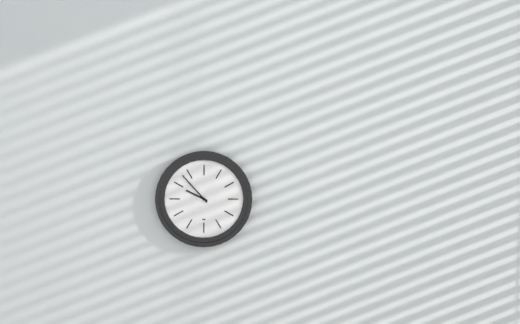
h=9 m=53
